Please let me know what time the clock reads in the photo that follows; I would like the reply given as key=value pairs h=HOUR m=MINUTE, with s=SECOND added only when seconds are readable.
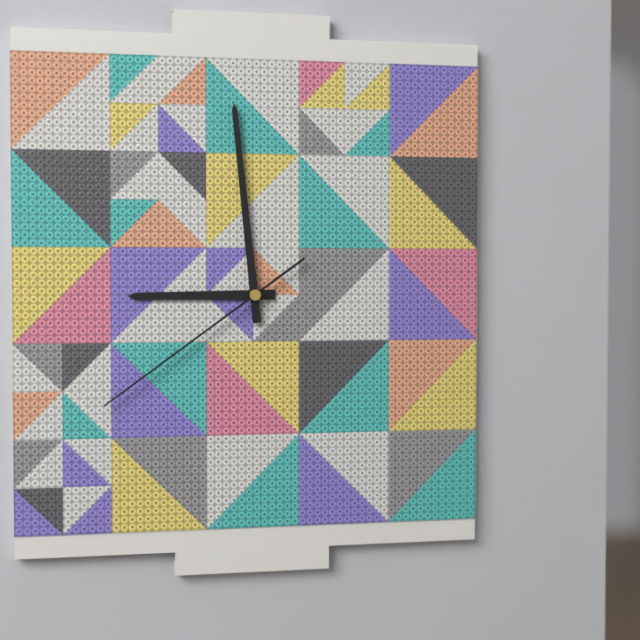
h=8 m=59 s=39
